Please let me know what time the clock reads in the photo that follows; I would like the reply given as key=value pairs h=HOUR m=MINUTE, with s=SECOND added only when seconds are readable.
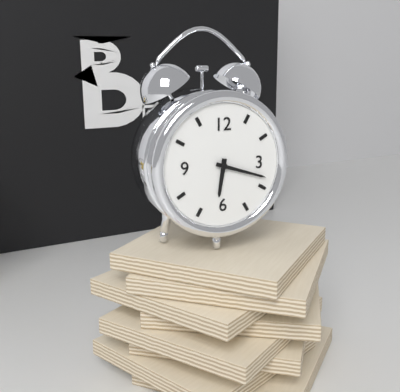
h=6 m=18
